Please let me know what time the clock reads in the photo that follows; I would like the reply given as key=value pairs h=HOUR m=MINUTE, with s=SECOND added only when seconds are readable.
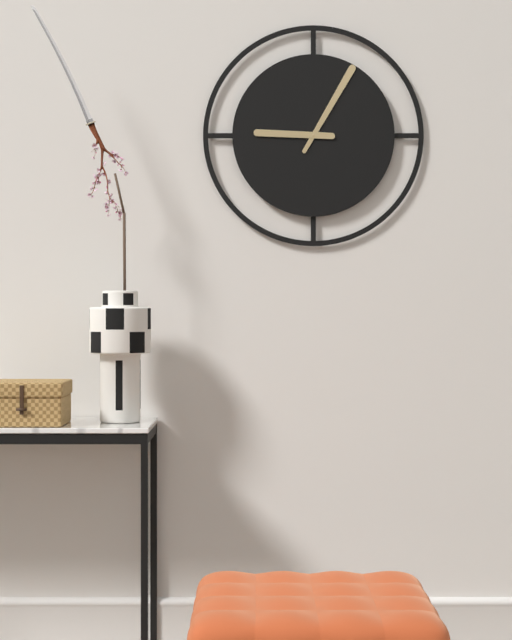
h=9 m=5
